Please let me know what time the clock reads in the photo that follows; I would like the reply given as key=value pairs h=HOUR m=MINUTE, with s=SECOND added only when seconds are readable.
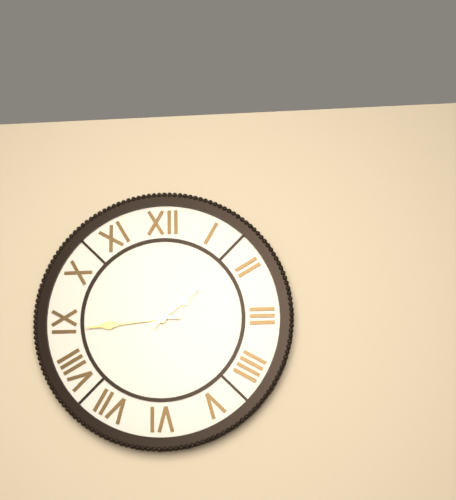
h=1 m=44
